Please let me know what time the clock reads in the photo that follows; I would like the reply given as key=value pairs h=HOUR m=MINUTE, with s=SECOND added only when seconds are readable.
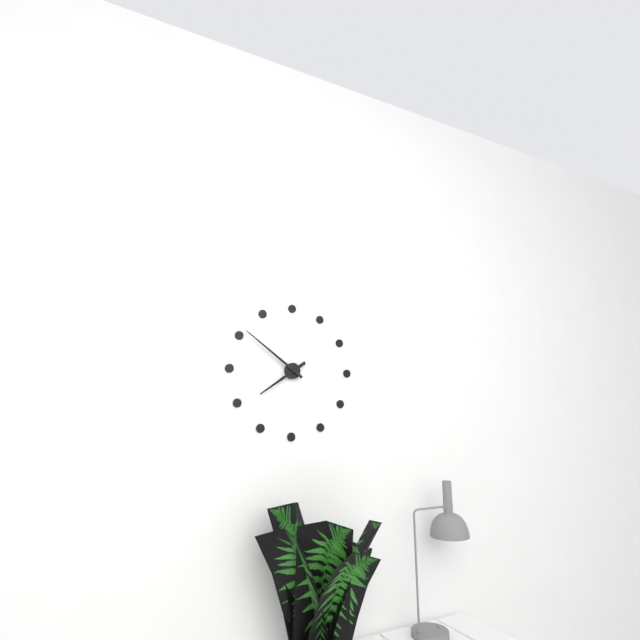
h=7 m=51
